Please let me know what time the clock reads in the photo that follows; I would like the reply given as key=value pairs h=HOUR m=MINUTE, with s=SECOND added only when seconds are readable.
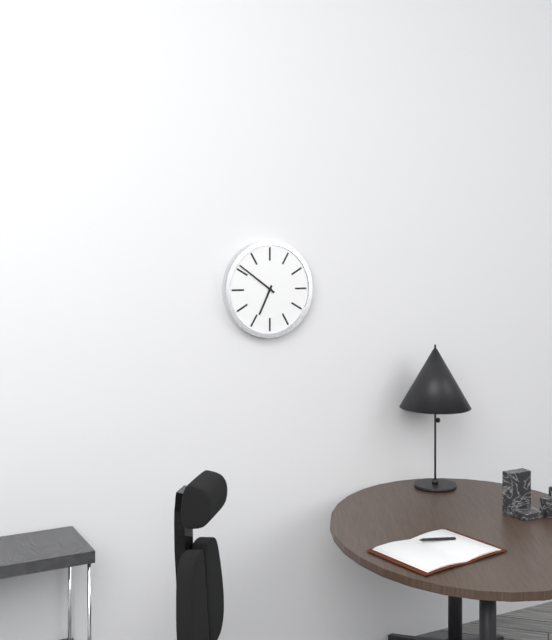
h=6 m=51
